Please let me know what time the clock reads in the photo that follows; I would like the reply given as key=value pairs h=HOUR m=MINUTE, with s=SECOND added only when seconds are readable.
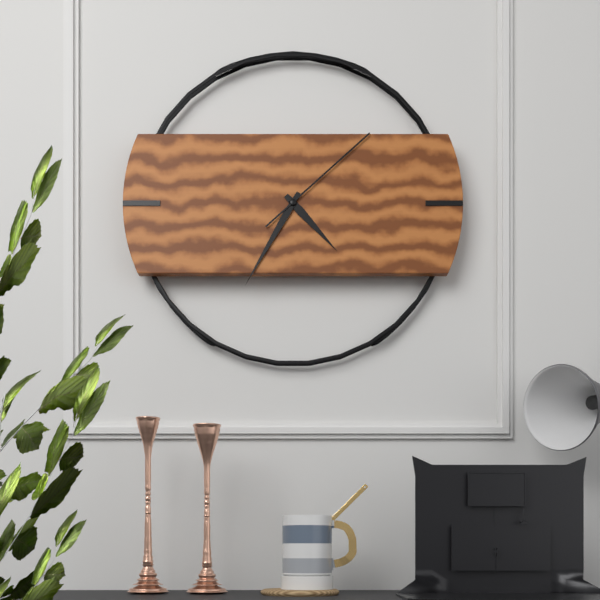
h=4 m=35 s=8
